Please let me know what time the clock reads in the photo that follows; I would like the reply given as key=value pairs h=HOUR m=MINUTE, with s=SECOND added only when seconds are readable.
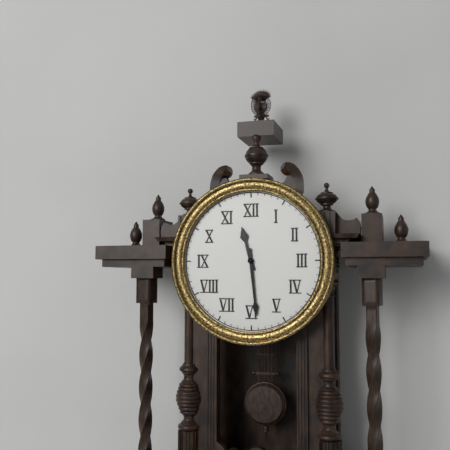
h=11 m=29
